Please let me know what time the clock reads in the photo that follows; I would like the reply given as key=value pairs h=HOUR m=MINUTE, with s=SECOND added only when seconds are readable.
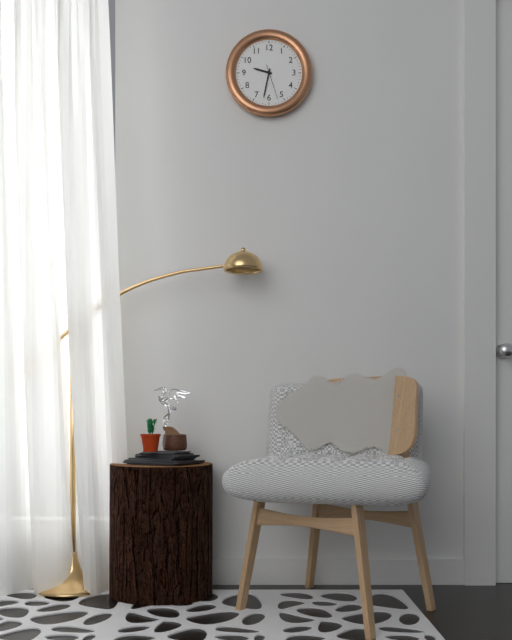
h=9 m=32
